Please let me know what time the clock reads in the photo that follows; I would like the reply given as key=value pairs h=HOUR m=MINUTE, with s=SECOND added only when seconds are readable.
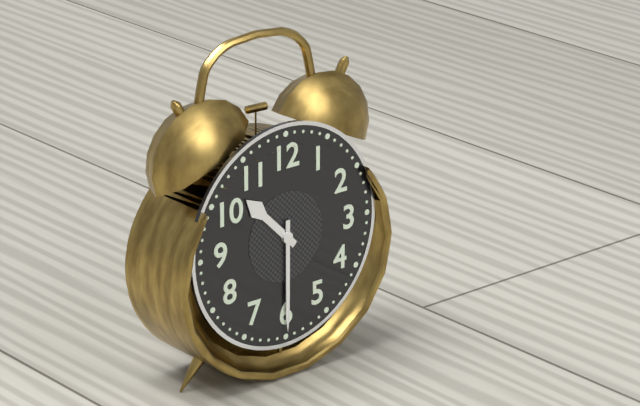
h=10 m=30
